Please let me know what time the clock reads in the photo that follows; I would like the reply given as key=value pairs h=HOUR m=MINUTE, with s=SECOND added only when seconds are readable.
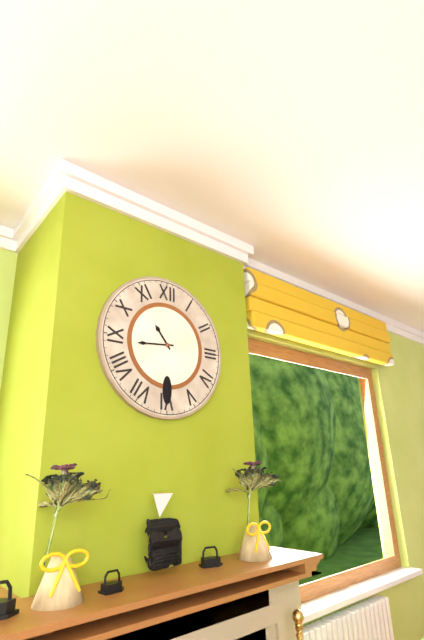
h=10 m=44
